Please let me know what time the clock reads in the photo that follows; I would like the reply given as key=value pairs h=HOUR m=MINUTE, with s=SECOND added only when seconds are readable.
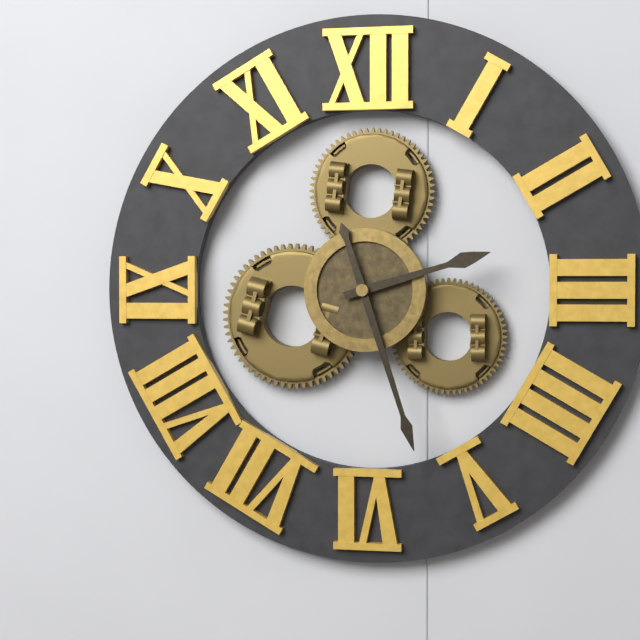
h=2 m=27
